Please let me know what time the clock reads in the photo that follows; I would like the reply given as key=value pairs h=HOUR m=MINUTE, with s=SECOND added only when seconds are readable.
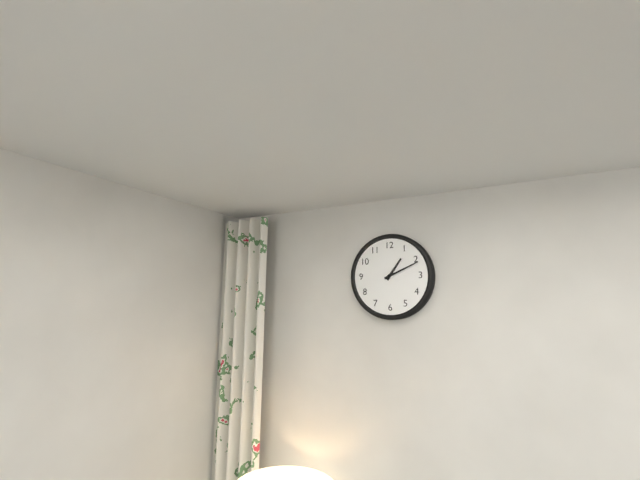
h=1 m=11
